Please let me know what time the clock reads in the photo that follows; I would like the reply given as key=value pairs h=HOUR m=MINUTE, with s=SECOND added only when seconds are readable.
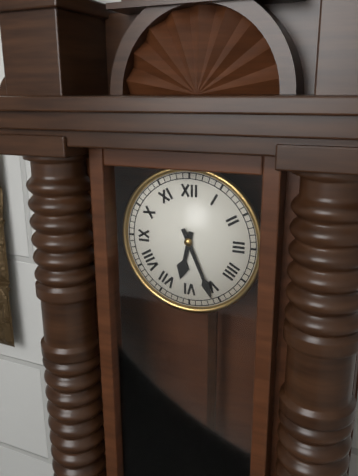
h=6 m=26
